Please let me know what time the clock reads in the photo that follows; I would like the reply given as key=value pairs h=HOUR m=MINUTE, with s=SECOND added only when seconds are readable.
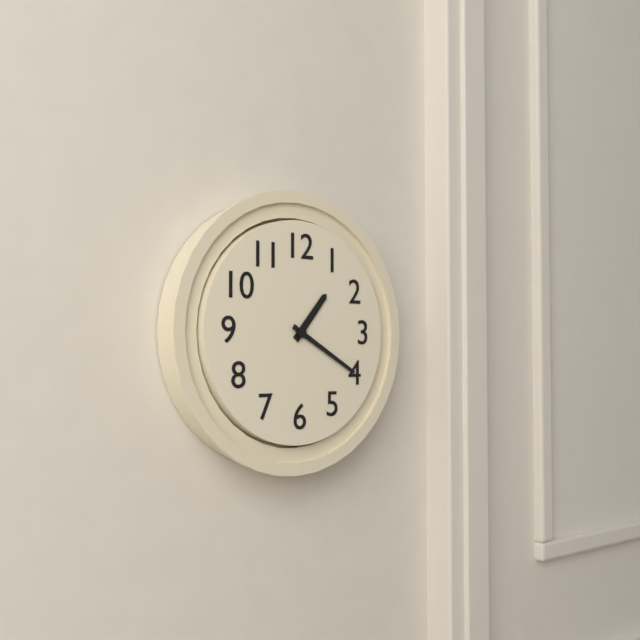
h=1 m=20
